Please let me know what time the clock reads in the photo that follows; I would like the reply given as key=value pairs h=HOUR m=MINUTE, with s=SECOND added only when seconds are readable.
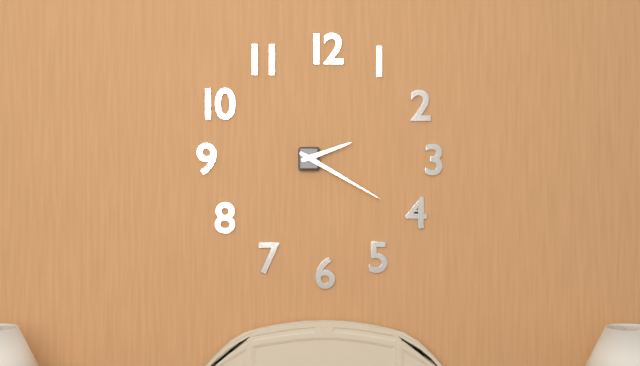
h=2 m=20
